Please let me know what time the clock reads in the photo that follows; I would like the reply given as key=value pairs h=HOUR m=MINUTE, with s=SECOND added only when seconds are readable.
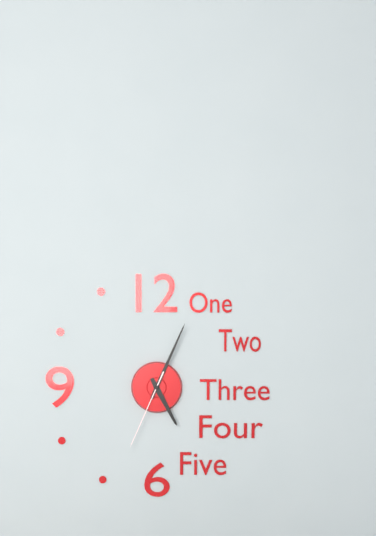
h=5 m=4 s=34
